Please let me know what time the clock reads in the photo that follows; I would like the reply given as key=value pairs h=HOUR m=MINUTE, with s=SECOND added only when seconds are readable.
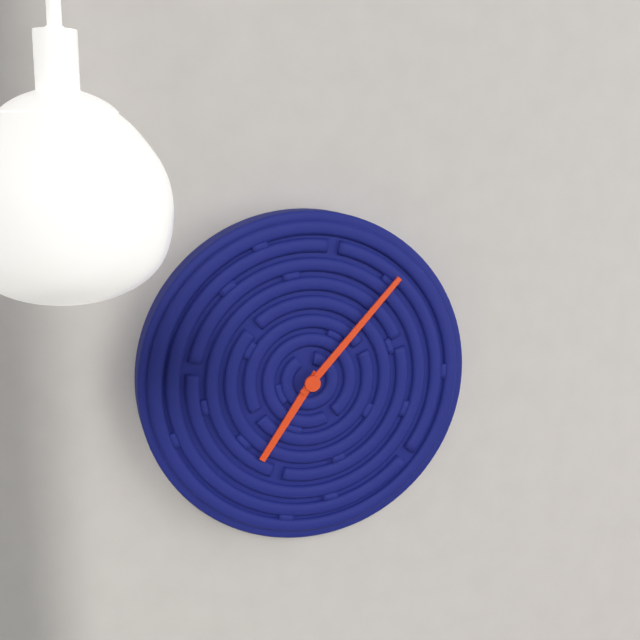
h=7 m=7
